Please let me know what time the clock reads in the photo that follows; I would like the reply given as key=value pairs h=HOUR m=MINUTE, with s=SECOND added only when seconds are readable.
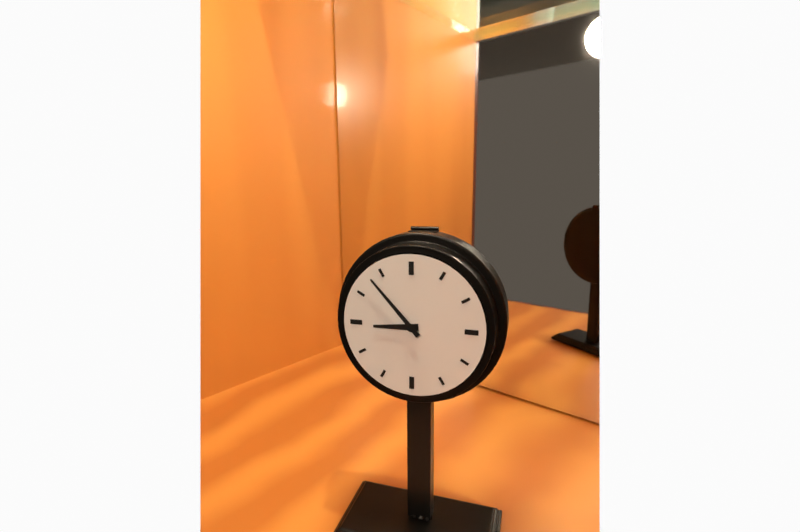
h=8 m=53
